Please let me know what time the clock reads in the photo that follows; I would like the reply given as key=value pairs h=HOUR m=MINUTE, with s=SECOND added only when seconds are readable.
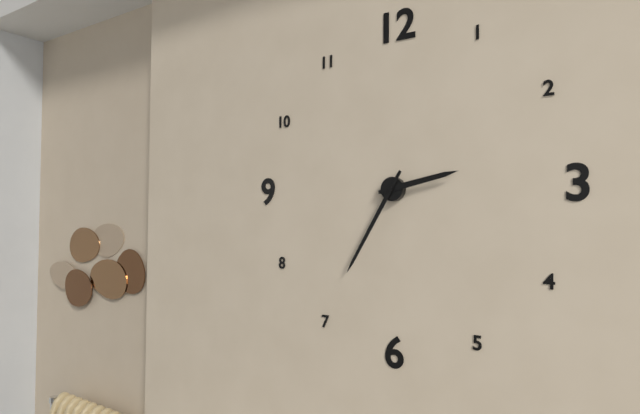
h=2 m=35
